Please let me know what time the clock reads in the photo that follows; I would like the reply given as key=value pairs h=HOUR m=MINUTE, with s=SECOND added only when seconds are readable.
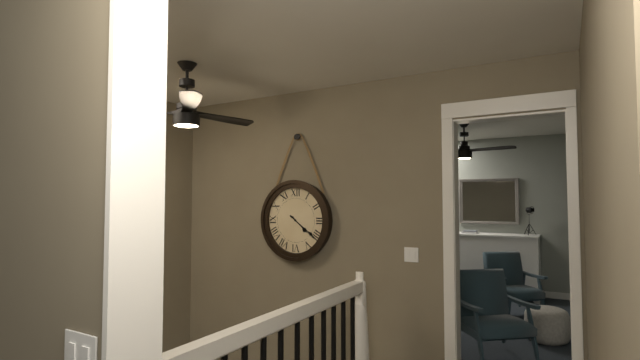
h=4 m=21
